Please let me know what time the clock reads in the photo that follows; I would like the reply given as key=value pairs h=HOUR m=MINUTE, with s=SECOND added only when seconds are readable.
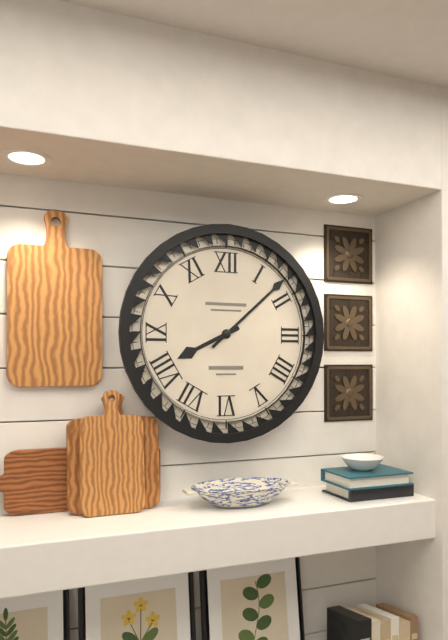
h=8 m=8
